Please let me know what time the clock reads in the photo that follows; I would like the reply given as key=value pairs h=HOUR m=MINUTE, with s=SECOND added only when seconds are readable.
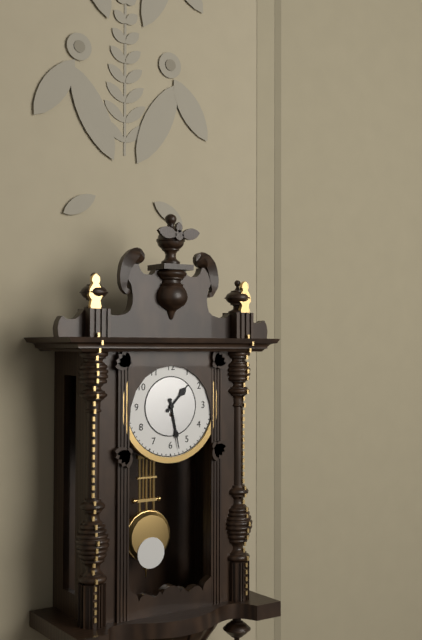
h=1 m=28
